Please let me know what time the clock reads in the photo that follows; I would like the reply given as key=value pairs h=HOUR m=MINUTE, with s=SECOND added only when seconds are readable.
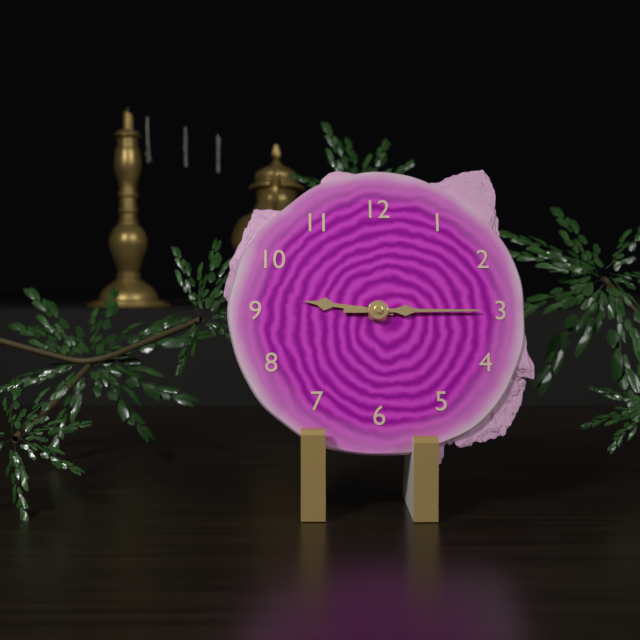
h=9 m=15
